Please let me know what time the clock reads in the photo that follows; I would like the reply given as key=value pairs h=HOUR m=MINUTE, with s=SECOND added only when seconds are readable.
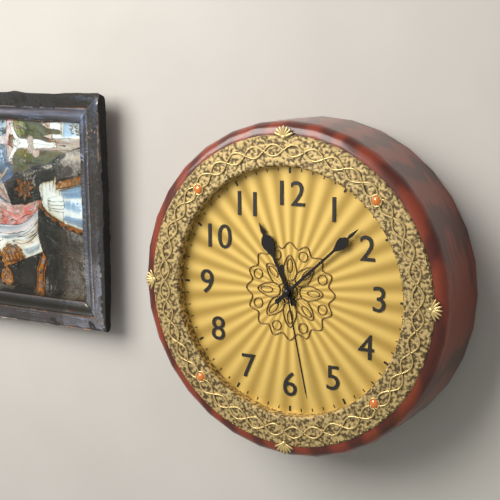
h=11 m=8 s=28
